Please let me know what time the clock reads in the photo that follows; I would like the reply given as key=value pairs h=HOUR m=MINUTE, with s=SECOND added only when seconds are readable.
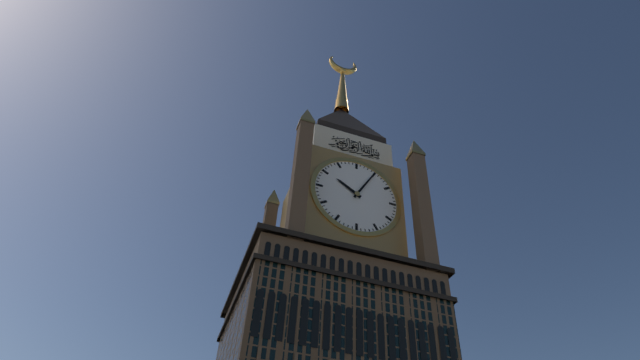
h=10 m=5
